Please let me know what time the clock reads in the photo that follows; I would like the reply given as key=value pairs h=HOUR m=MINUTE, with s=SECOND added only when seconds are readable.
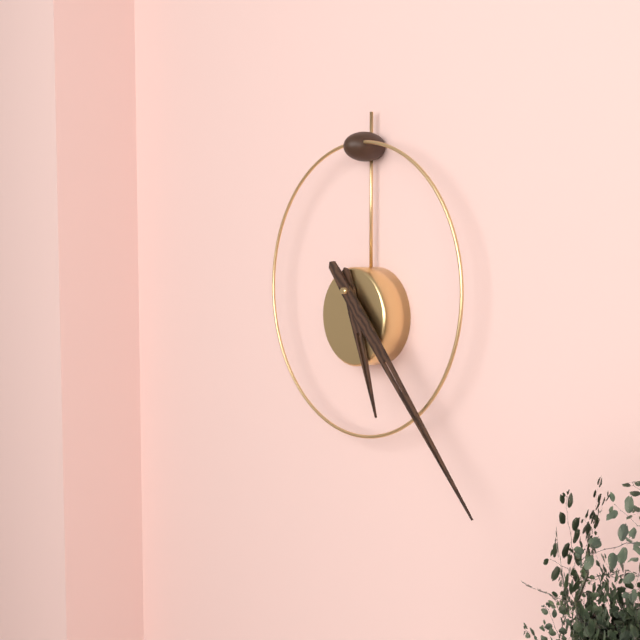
h=5 m=23
